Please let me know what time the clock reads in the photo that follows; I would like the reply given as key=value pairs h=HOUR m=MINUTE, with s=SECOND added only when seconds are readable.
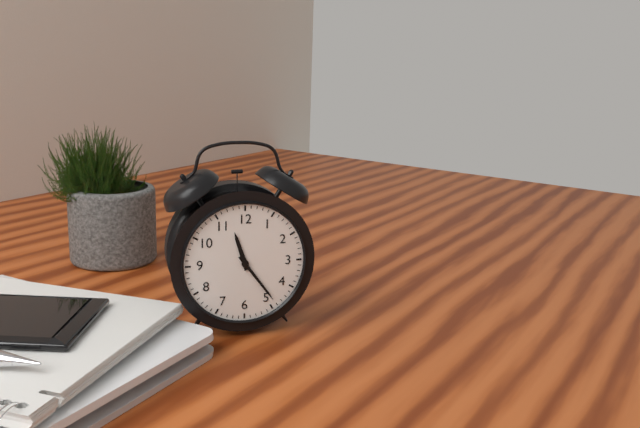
h=11 m=24
